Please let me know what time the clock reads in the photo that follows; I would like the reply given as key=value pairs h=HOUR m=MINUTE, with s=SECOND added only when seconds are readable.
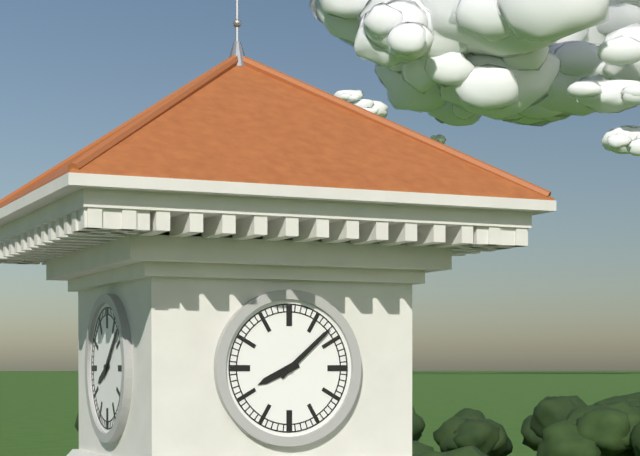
h=8 m=8
